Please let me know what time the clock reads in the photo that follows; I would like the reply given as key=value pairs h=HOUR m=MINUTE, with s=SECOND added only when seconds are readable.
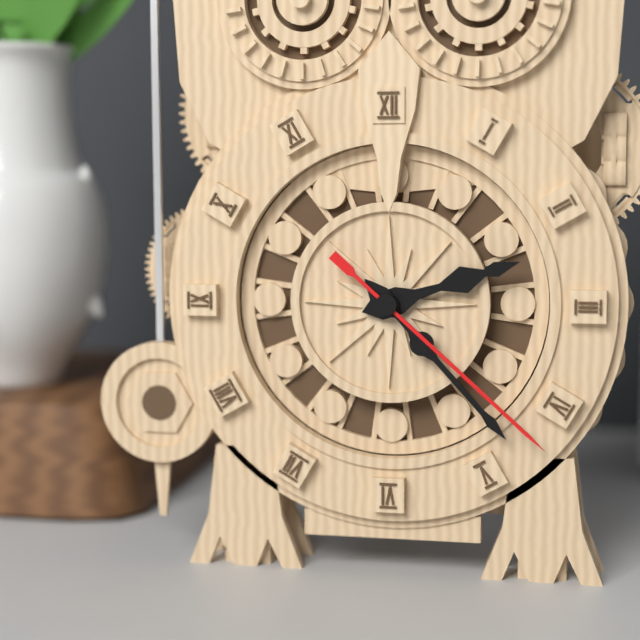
h=2 m=23 s=22
